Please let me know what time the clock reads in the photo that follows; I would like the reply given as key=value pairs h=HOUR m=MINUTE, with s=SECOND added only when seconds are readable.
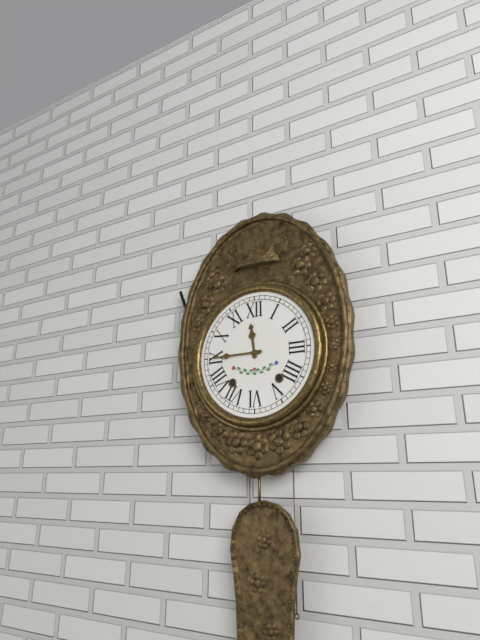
h=11 m=45
